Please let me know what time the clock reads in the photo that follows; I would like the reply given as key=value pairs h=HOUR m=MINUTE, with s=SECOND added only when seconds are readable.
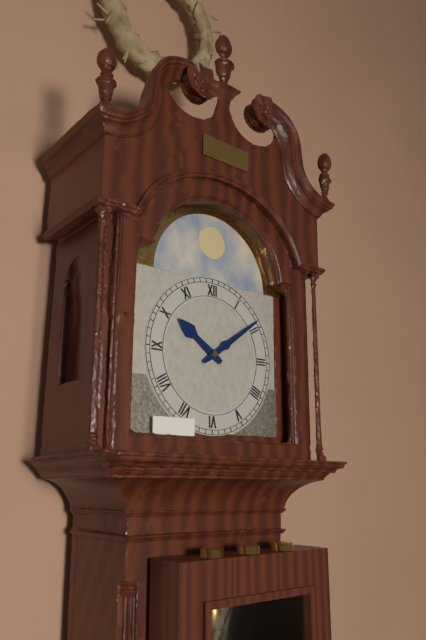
h=10 m=9
